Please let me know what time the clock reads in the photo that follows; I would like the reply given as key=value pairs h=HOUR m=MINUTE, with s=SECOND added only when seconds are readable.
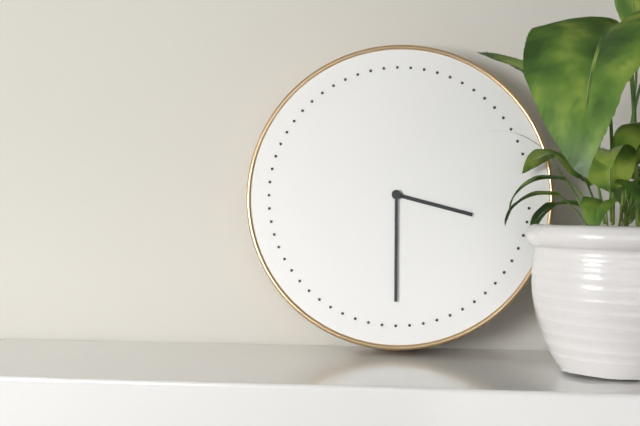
h=3 m=30
